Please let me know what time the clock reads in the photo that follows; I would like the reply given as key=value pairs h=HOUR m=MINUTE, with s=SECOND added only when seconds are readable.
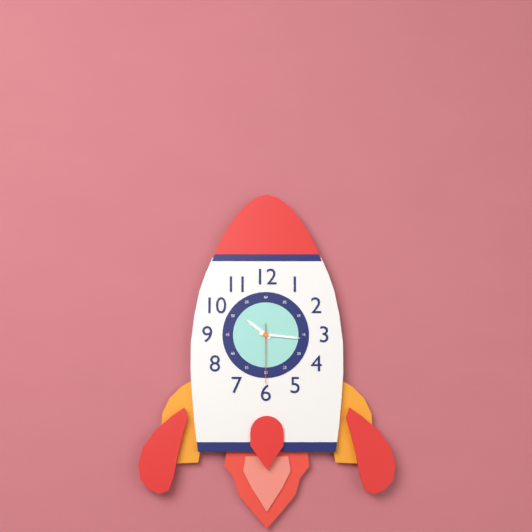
h=10 m=16 s=30
